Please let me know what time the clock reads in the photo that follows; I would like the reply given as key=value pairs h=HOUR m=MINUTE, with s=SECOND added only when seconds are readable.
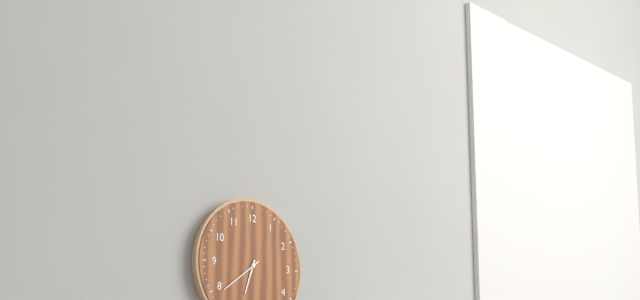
h=6 m=39
